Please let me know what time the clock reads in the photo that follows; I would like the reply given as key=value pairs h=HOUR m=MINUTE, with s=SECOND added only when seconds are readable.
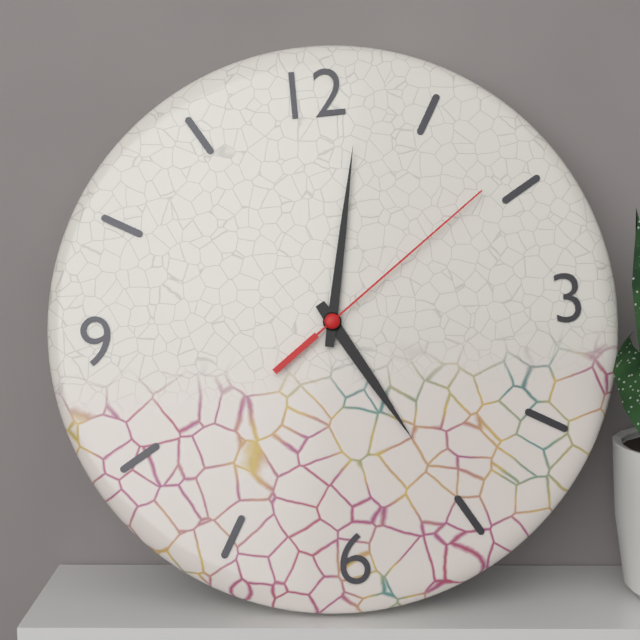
h=5 m=2 s=9
